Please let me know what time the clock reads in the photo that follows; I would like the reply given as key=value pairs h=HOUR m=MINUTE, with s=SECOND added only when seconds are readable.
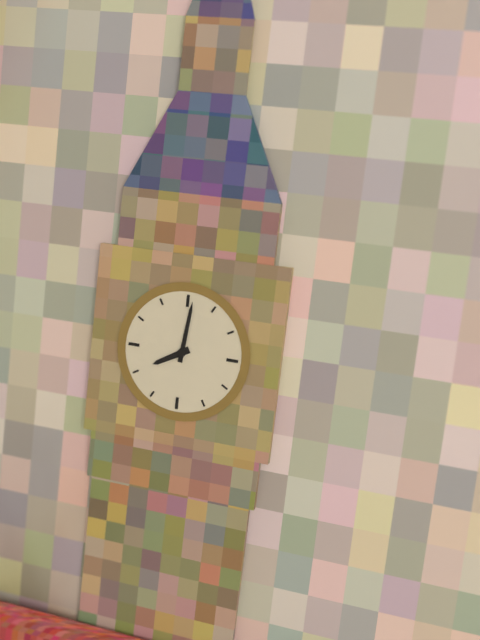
h=8 m=1
